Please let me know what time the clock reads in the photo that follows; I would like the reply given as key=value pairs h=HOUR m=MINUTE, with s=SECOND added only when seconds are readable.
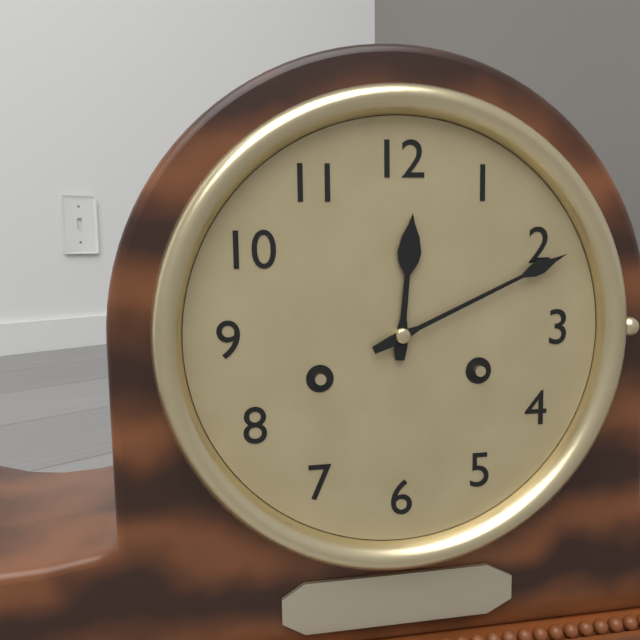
h=12 m=11
